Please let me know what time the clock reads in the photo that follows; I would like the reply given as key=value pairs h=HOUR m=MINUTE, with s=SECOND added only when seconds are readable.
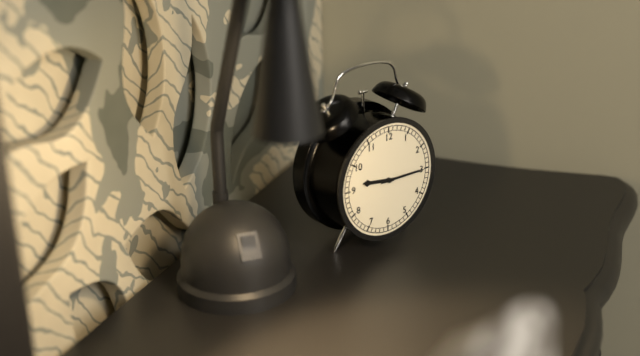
h=9 m=15
